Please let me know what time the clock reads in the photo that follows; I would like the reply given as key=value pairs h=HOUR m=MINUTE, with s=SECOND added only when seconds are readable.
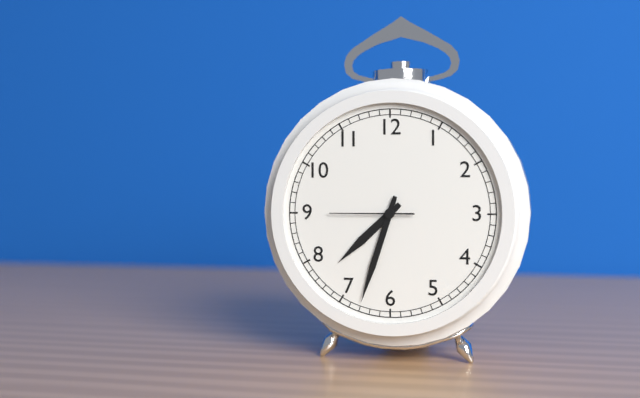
h=7 m=33 s=45
